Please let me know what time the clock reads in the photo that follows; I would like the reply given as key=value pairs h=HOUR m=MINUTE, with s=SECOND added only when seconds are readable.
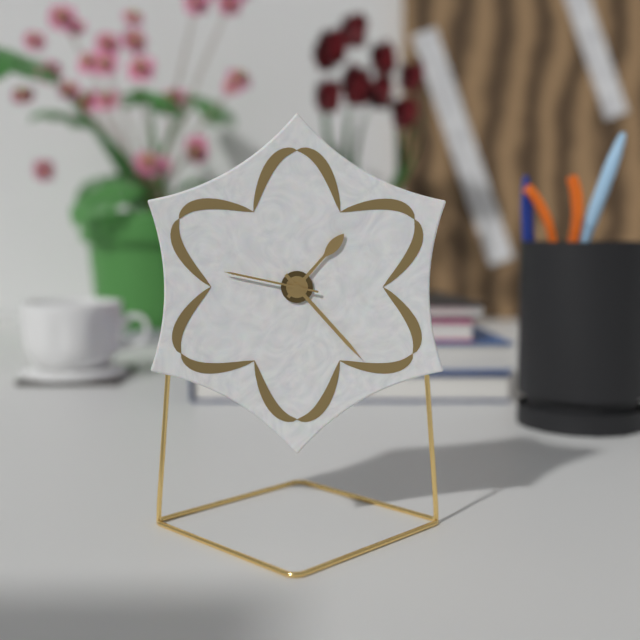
h=1 m=23 s=47
